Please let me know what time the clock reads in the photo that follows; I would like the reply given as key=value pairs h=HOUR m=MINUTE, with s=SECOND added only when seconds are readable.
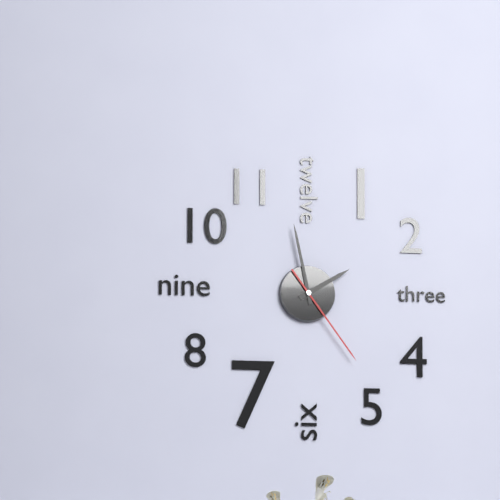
h=1 m=58 s=24
